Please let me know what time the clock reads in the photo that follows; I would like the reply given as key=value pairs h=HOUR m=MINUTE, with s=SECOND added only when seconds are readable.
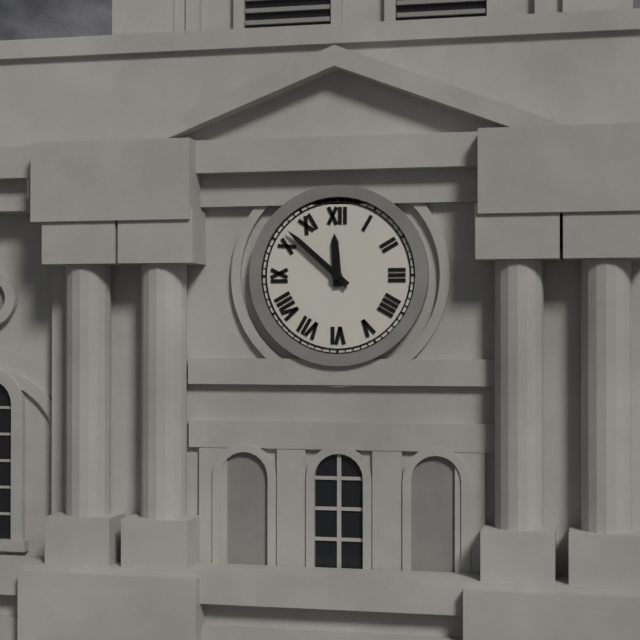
h=11 m=52
